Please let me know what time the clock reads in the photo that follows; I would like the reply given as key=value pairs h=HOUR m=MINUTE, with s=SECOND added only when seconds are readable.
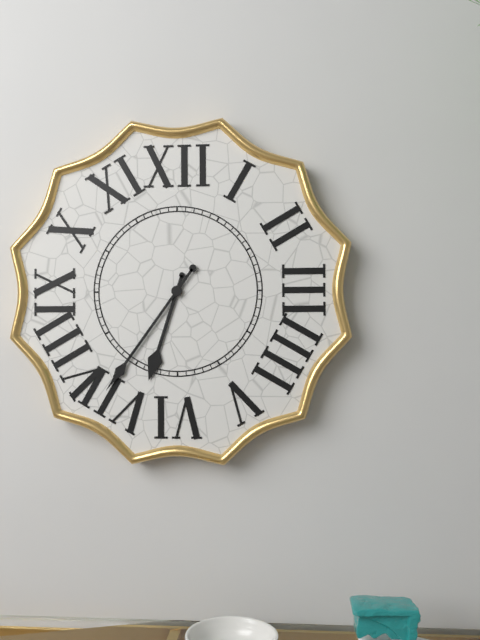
h=6 m=36
